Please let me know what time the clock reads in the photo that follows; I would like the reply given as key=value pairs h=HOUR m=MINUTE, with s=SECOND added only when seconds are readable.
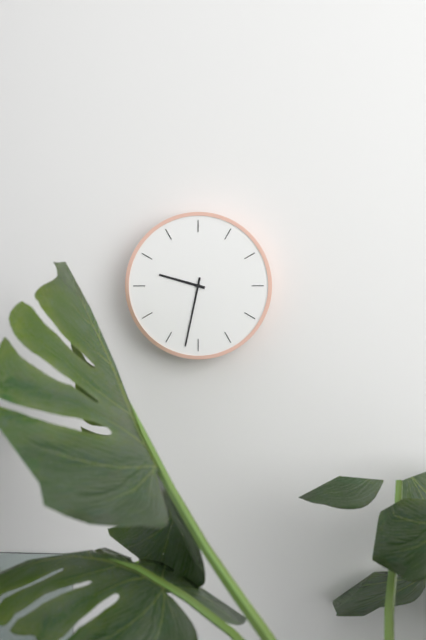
h=9 m=32
